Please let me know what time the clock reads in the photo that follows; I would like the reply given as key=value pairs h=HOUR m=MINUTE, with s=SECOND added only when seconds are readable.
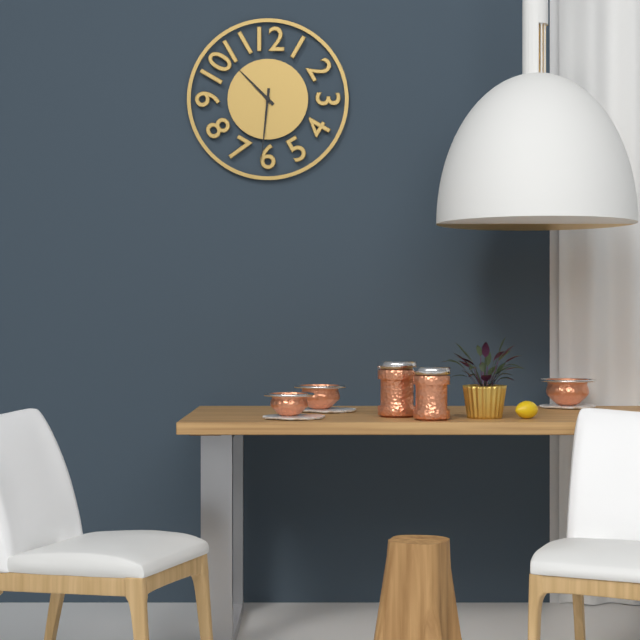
h=10 m=31
